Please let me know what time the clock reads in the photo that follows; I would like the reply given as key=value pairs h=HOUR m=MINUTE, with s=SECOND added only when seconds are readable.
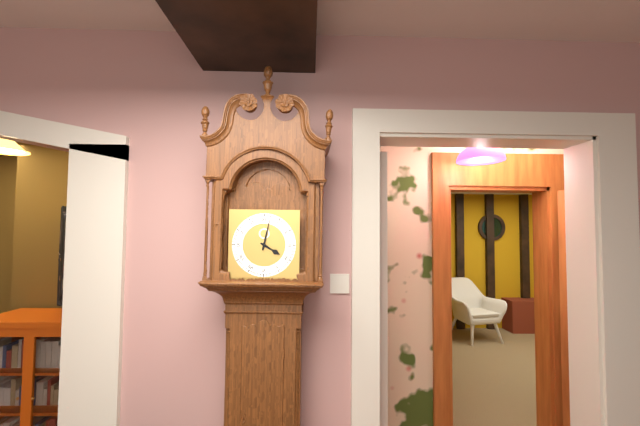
h=4 m=2
